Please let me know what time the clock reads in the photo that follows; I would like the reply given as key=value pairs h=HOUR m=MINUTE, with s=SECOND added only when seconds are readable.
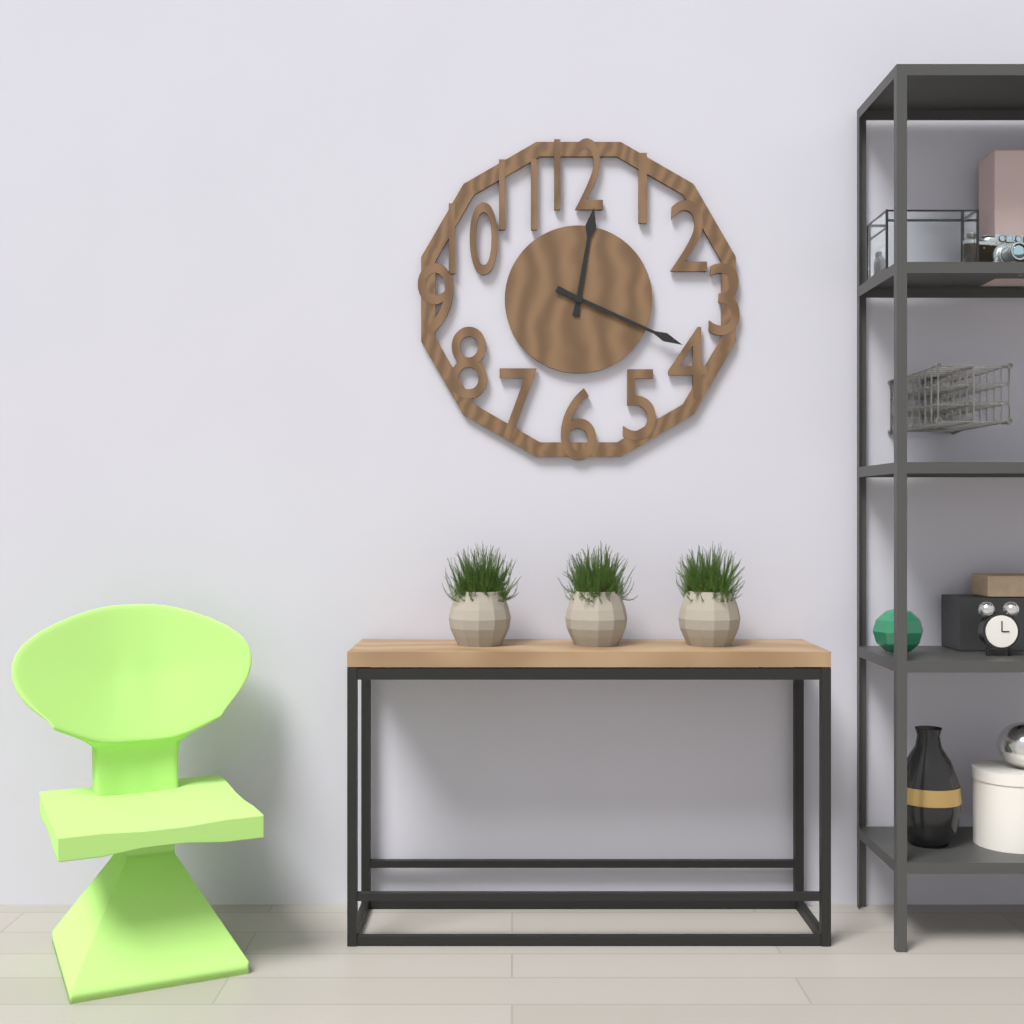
h=12 m=19
